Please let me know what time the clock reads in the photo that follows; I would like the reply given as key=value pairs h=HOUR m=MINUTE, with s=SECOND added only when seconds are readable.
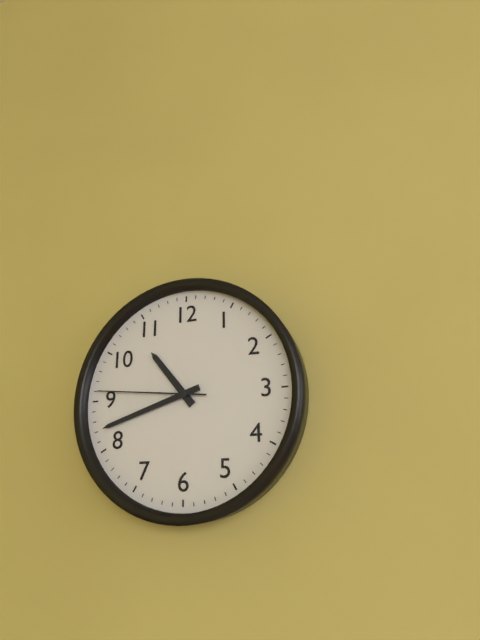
h=10 m=42 s=46
